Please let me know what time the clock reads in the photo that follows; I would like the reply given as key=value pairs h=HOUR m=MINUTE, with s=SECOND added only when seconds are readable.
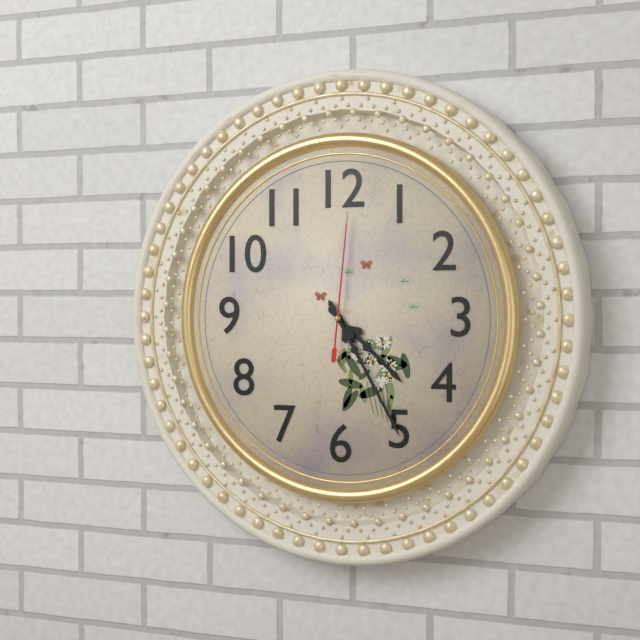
h=4 m=25 s=1
